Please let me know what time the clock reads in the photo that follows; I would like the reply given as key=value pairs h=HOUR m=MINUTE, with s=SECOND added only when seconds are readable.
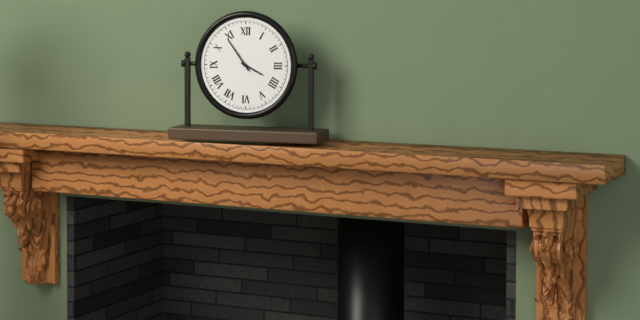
h=3 m=54
